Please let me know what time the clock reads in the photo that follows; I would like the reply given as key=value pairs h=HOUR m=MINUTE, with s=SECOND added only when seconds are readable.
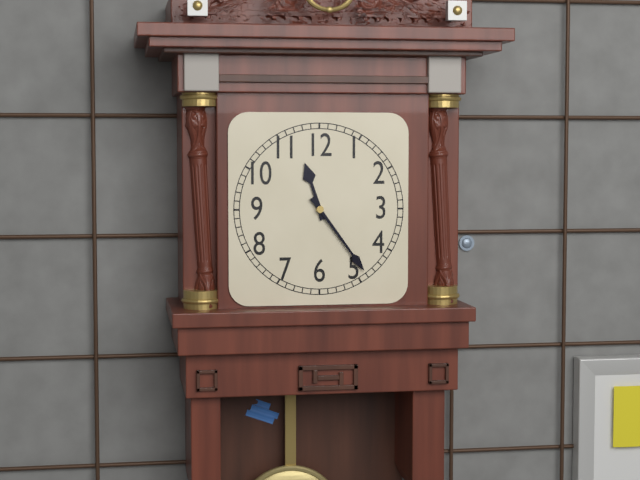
h=11 m=24
